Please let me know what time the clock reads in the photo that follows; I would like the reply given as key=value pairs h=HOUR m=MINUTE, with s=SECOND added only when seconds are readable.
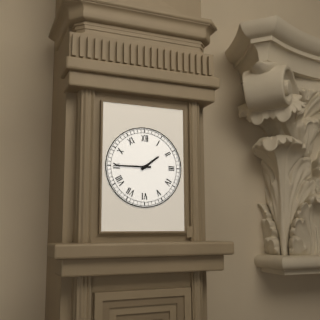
h=1 m=45
